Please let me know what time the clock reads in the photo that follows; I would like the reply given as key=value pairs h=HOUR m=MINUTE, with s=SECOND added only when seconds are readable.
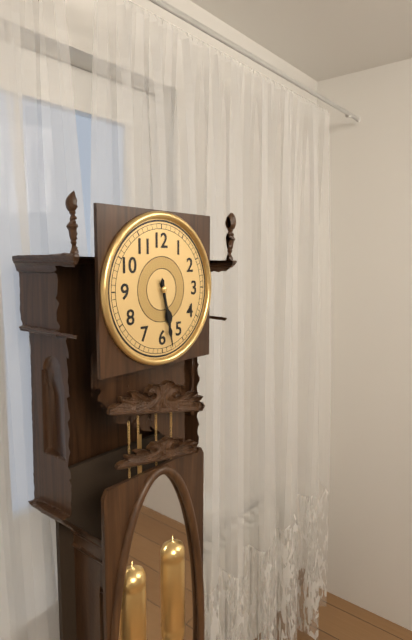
h=5 m=28
